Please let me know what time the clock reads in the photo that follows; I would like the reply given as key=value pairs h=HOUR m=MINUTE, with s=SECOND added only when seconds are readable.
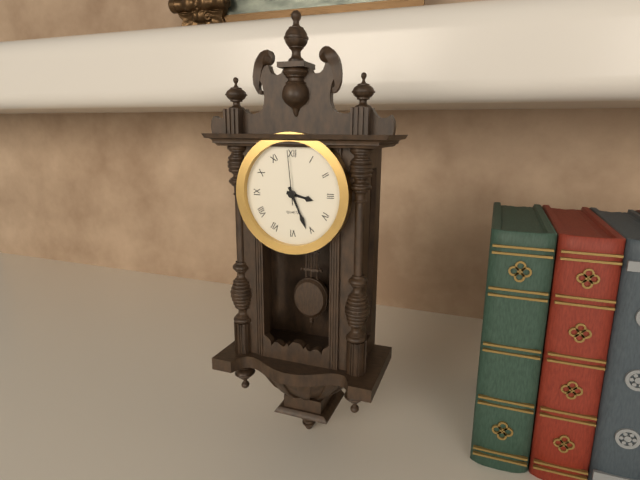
h=3 m=26 s=59
